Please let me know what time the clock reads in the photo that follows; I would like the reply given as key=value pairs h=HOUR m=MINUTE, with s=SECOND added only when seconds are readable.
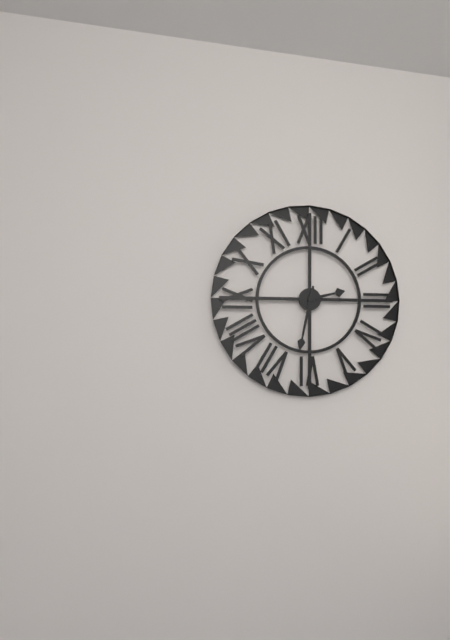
h=2 m=32
